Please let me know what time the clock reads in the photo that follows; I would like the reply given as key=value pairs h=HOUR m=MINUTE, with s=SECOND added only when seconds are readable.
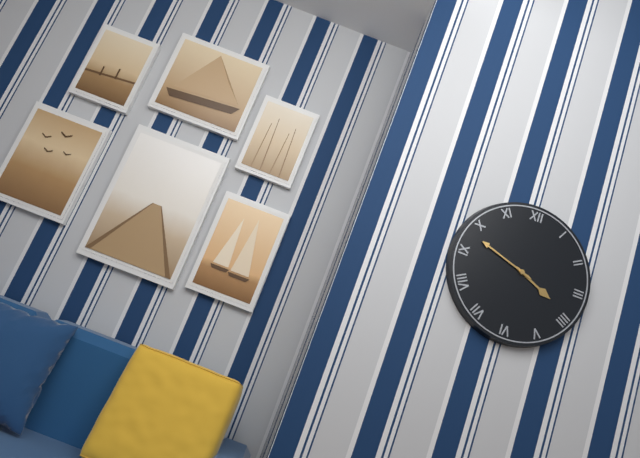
h=3 m=48
